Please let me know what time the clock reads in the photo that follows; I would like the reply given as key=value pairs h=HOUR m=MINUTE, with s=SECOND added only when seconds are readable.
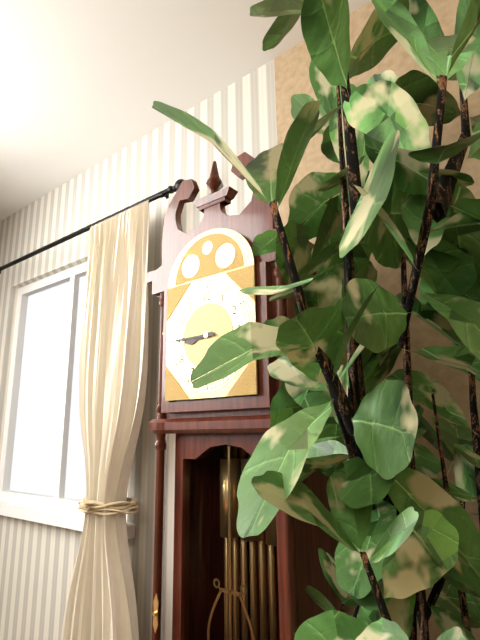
h=8 m=45
